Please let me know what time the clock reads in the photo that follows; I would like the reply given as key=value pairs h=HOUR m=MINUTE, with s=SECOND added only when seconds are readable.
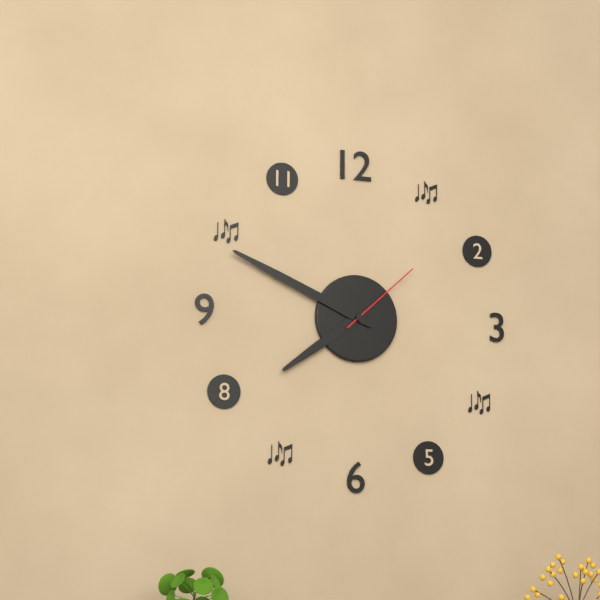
h=7 m=49 s=8
